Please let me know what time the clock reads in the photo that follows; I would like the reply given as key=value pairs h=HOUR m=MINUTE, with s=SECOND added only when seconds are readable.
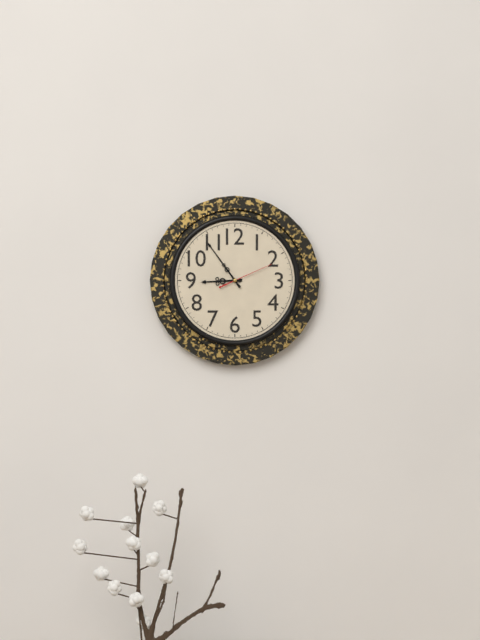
h=8 m=54 s=11
